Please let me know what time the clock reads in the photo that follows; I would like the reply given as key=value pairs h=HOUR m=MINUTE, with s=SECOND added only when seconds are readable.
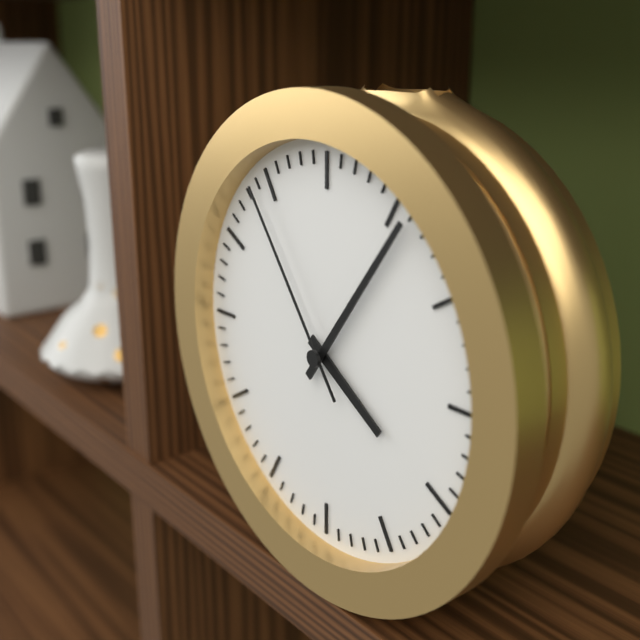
h=4 m=6 s=54
